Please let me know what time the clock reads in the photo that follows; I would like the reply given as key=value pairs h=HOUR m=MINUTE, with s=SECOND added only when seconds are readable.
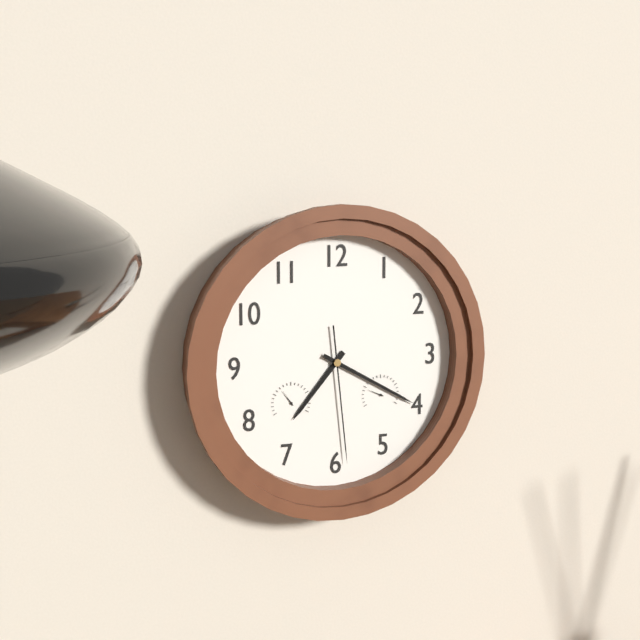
h=7 m=20 s=29
